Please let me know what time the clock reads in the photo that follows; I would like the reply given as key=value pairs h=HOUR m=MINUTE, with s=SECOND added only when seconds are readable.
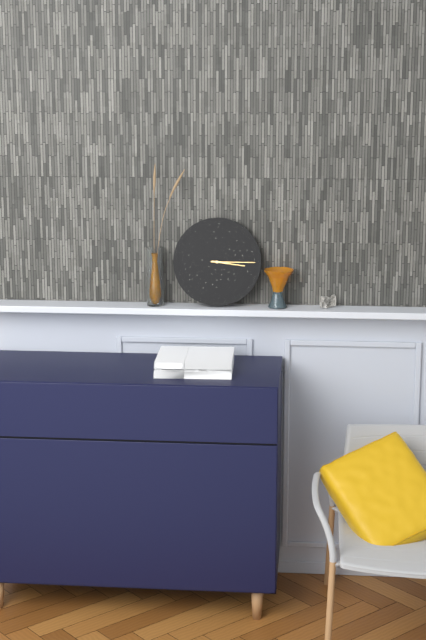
h=3 m=15
